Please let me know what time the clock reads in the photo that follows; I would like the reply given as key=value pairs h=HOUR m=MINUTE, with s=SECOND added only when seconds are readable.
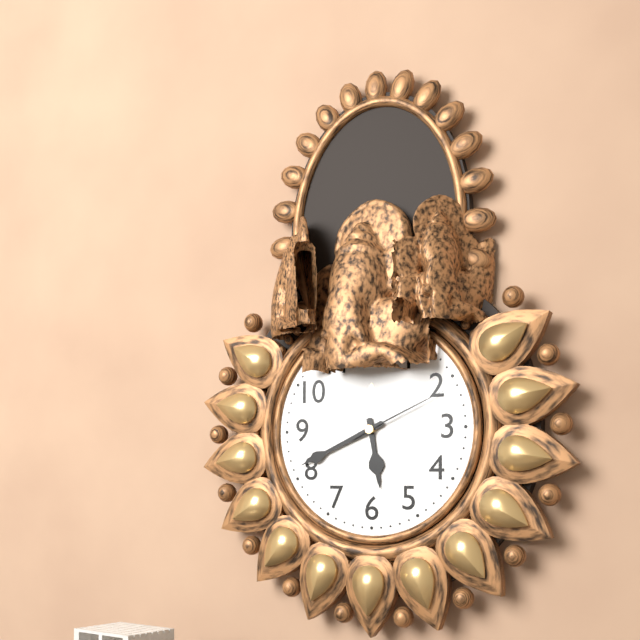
h=5 m=41 s=11
